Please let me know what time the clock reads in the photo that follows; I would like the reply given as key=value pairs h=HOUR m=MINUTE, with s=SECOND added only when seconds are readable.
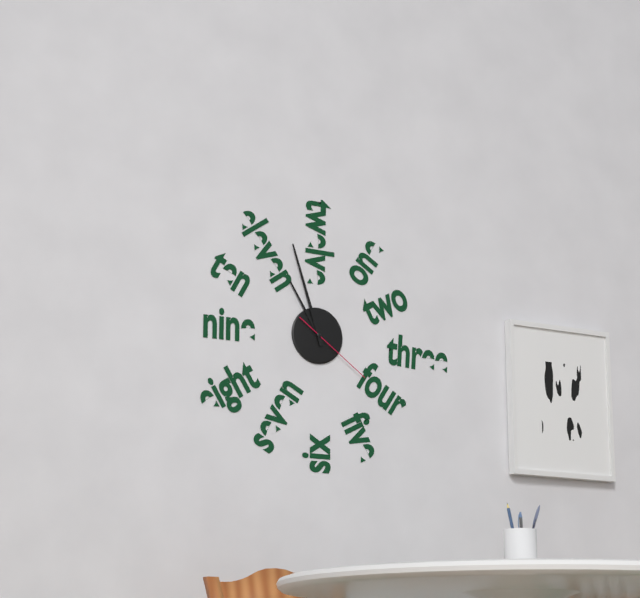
h=10 m=57 s=21
